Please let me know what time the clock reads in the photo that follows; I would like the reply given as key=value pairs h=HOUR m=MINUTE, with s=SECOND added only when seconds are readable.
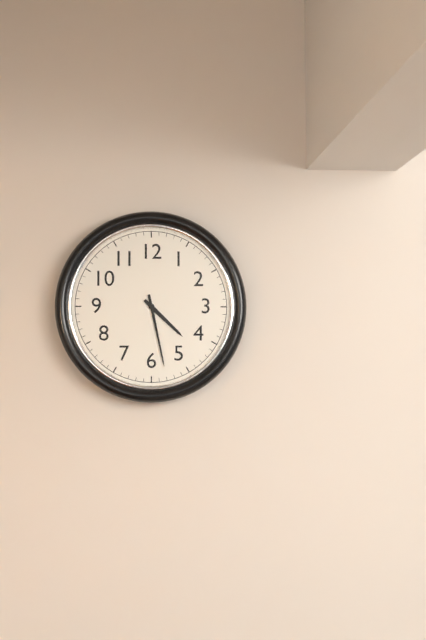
h=4 m=28
